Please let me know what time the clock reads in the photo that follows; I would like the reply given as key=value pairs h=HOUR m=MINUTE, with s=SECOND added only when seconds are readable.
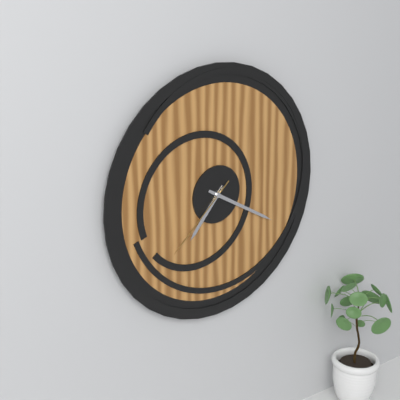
h=7 m=20 s=38
